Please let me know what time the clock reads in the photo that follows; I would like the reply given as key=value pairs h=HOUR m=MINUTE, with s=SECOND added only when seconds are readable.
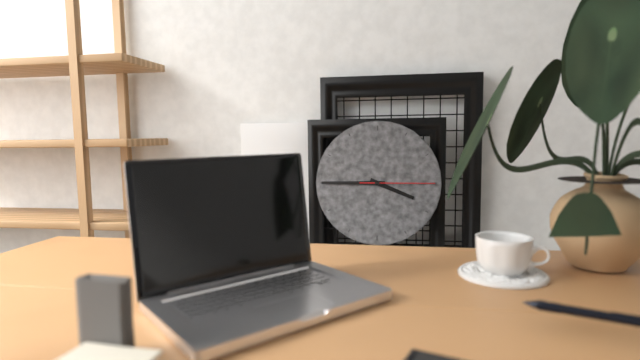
h=3 m=45 s=15
